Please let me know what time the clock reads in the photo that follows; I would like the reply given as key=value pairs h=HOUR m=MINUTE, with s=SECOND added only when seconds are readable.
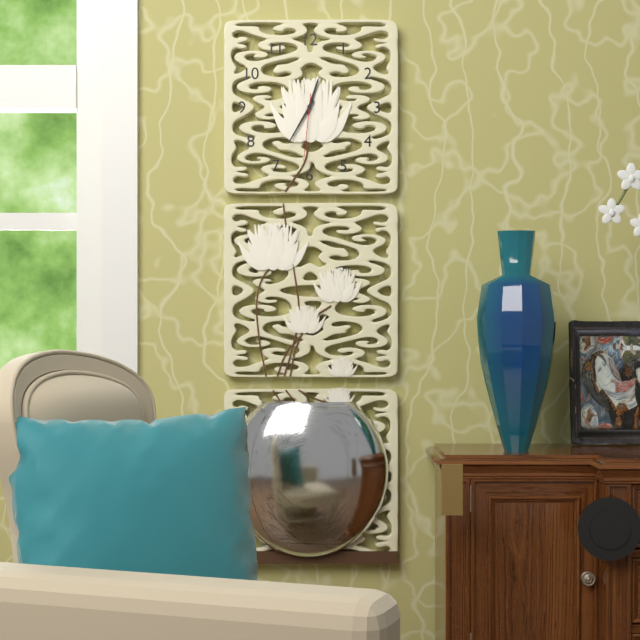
h=12 m=35 s=31
